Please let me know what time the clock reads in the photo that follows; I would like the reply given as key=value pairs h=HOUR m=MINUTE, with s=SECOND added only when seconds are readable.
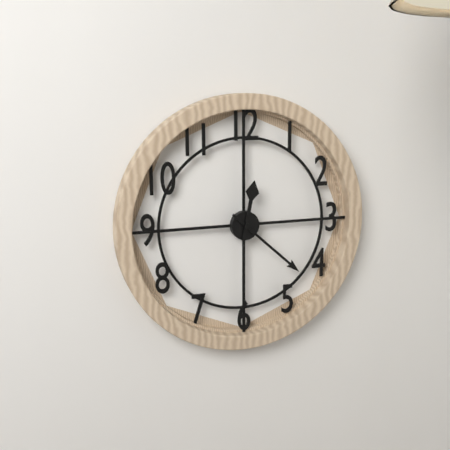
h=12 m=22
